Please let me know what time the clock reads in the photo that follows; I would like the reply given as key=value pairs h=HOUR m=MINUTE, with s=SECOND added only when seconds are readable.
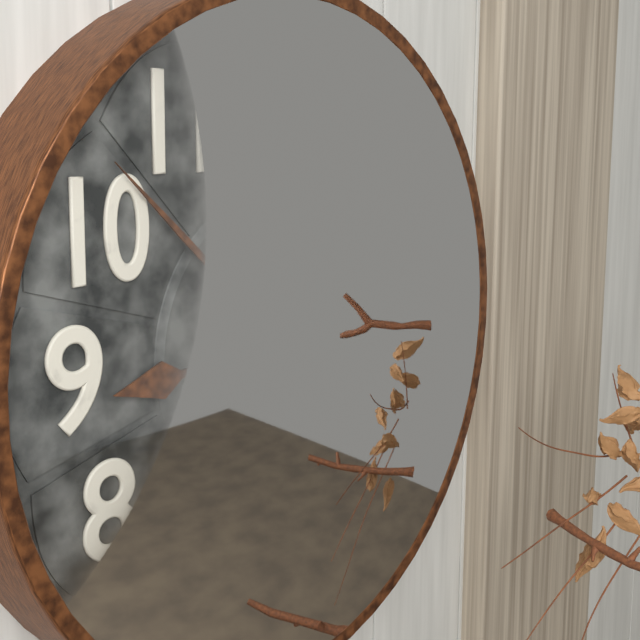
h=8 m=52
